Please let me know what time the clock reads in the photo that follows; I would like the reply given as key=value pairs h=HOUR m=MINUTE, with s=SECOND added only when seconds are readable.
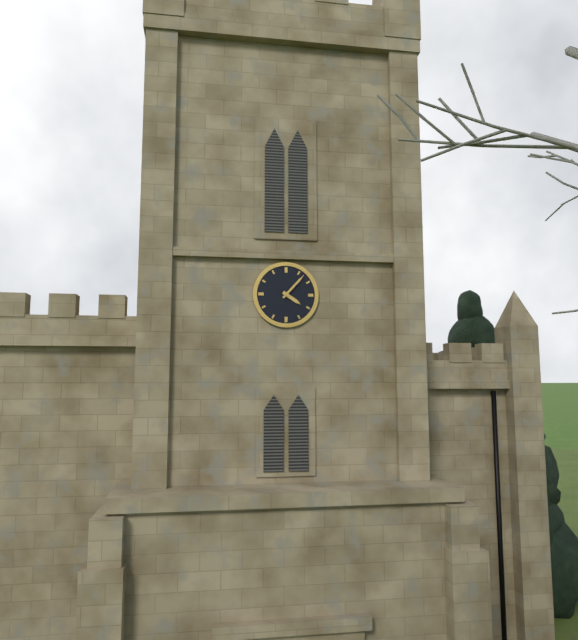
h=4 m=7
